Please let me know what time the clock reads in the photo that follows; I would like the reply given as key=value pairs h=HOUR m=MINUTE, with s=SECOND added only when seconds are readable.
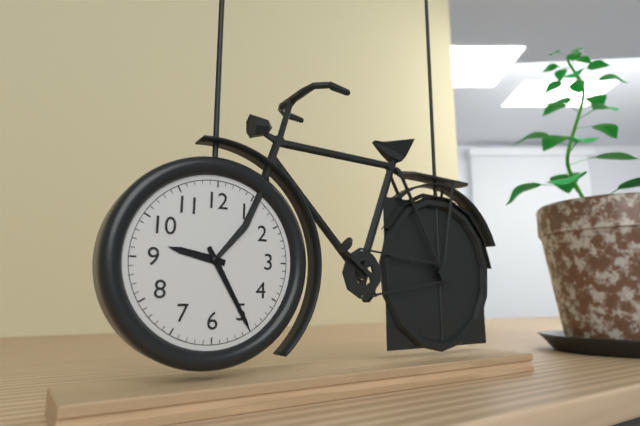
h=9 m=25
